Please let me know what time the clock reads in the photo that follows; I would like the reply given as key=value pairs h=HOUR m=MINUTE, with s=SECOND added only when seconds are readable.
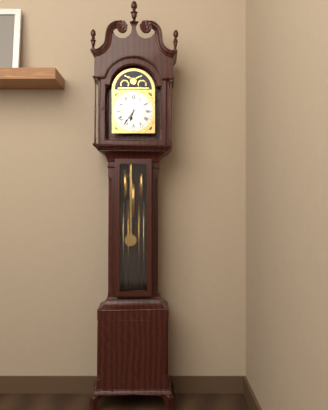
h=6 m=36
